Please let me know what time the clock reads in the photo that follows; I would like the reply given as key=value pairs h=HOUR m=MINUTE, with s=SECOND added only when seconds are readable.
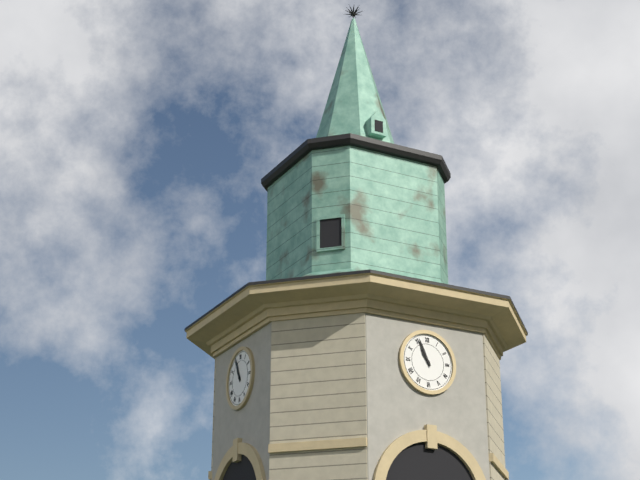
h=10 m=56
